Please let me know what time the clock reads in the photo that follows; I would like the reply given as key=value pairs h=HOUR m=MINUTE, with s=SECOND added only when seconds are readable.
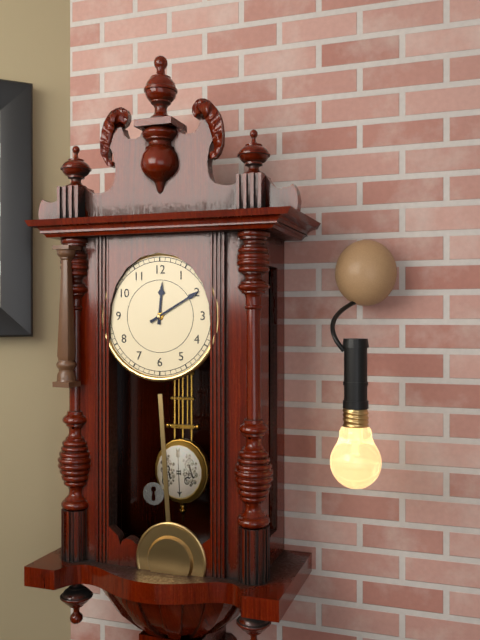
h=12 m=10
